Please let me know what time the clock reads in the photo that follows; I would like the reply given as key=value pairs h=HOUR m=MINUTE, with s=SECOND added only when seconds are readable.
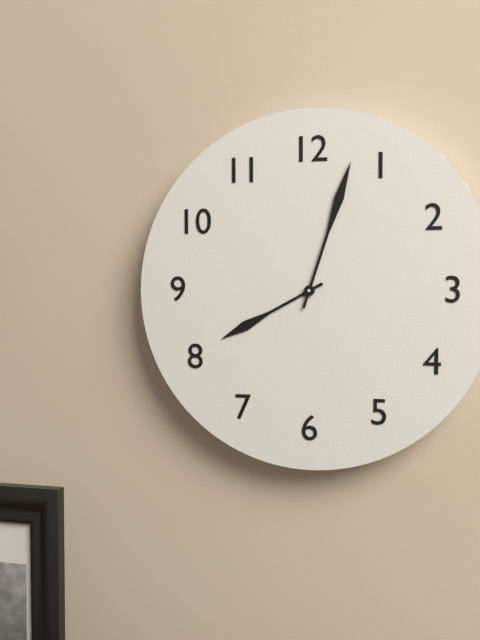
h=8 m=3
